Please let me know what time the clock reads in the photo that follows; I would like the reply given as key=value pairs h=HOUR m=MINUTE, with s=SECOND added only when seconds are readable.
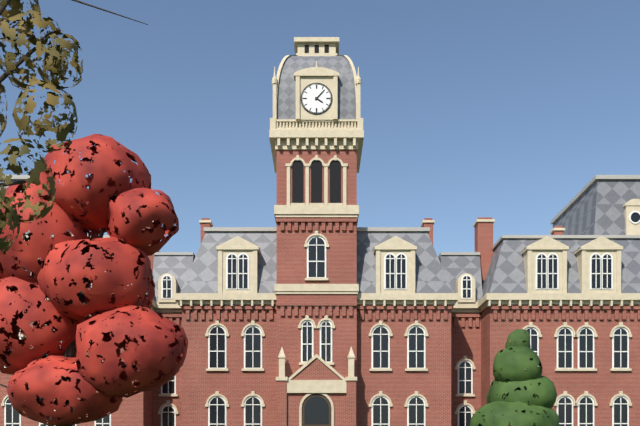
h=4 m=7
